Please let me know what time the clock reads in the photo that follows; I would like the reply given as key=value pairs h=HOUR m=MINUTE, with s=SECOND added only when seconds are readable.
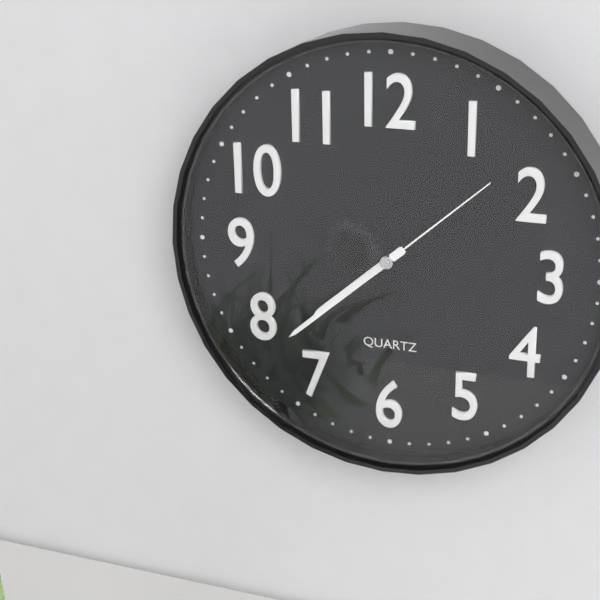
h=7 m=38 s=8
